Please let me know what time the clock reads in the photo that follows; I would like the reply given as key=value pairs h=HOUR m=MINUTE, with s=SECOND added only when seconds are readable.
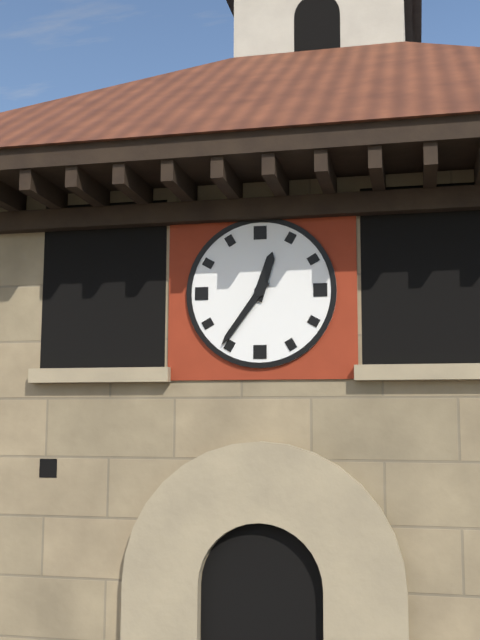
h=12 m=36
